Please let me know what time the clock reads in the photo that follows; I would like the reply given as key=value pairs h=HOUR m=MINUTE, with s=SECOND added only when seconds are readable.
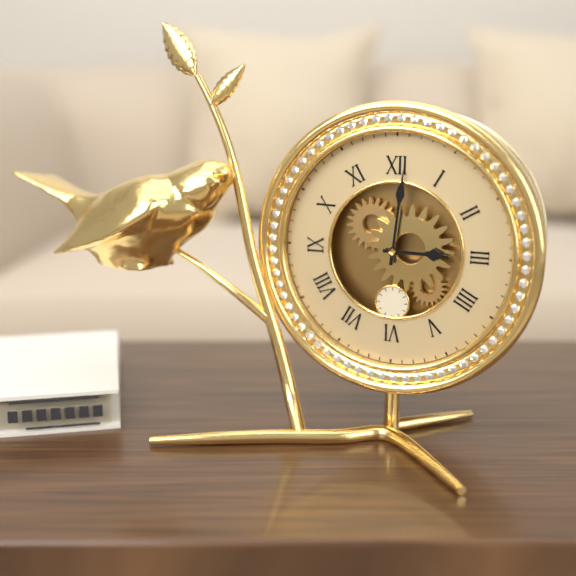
h=3 m=1
